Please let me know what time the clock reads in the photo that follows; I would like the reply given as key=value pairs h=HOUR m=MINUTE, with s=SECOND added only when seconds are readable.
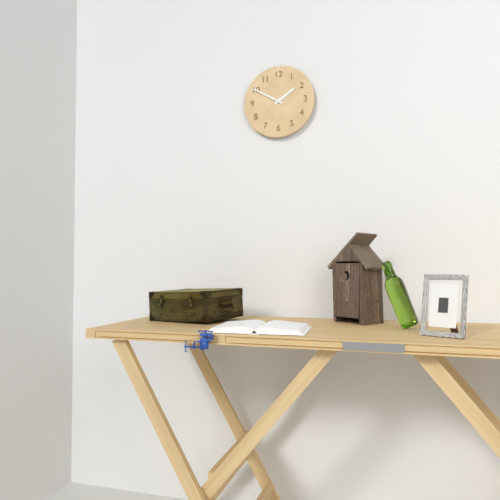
h=1 m=50
